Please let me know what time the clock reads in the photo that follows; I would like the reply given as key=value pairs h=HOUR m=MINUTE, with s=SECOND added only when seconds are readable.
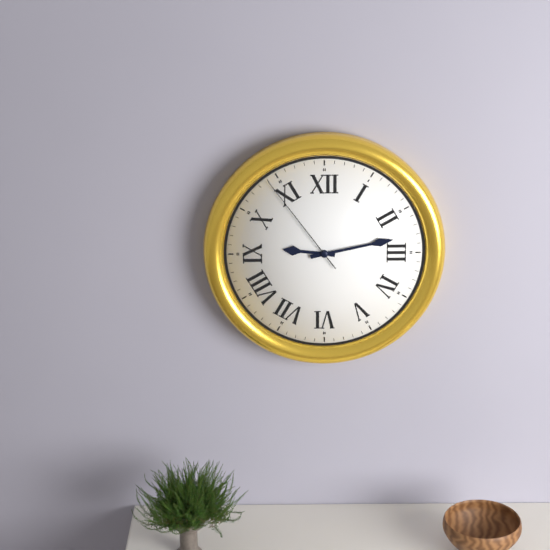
h=9 m=13 s=54
